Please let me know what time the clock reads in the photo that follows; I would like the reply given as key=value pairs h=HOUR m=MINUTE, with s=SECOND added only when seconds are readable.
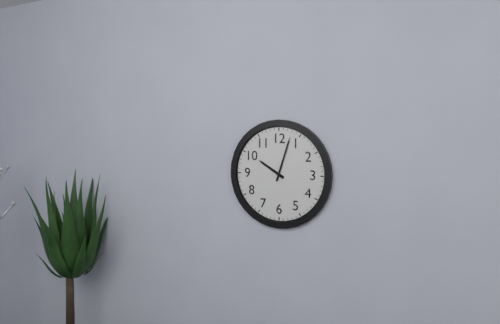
h=10 m=3
